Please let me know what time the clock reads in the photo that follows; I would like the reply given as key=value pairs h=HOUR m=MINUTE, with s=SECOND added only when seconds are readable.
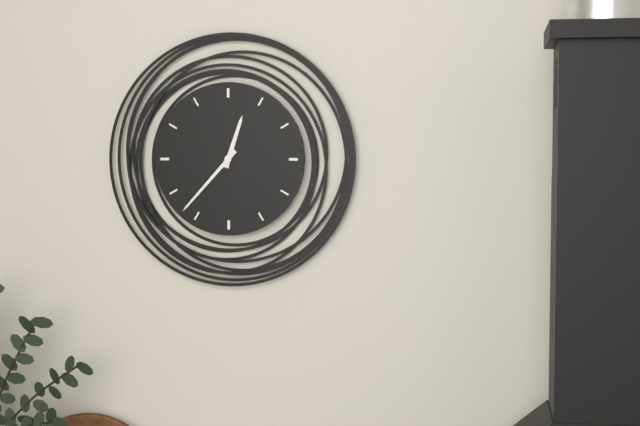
h=12 m=37
